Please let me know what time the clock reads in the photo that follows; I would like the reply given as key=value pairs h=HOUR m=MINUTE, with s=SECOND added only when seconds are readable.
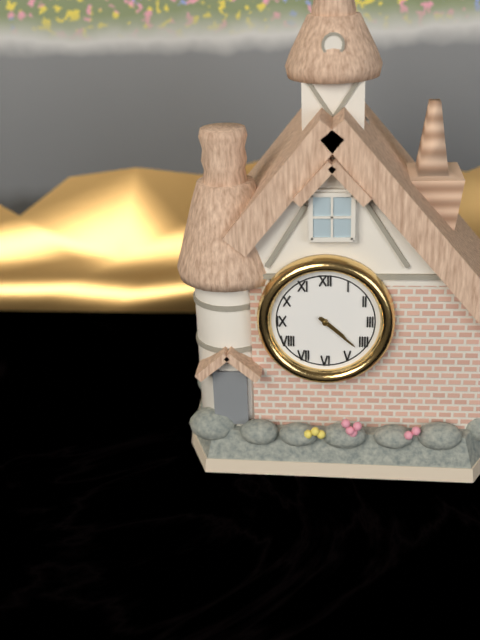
h=4 m=22
